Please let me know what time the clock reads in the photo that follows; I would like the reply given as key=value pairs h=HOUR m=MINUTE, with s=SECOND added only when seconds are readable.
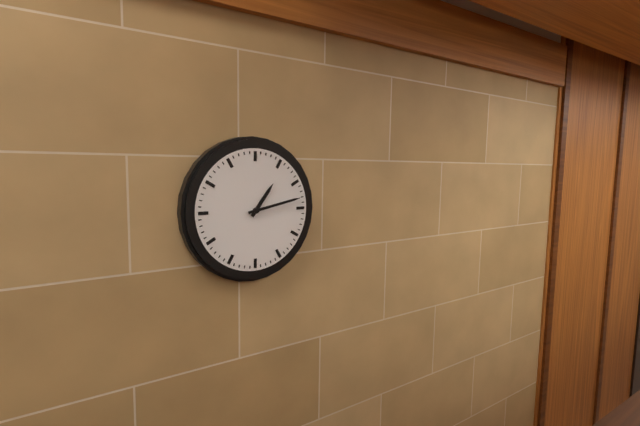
h=1 m=13
